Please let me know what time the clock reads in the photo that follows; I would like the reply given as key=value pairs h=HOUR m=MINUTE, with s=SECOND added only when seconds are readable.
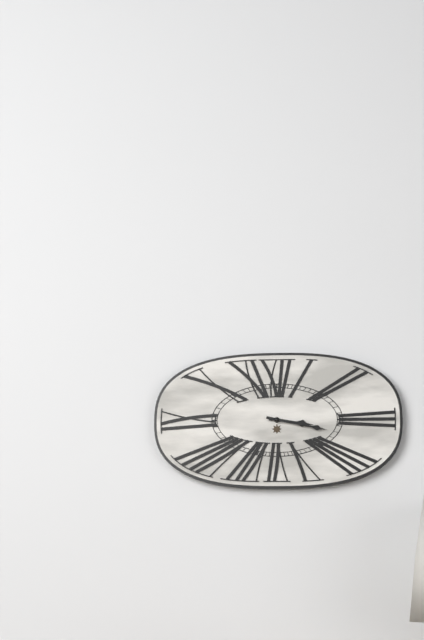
h=3 m=17
